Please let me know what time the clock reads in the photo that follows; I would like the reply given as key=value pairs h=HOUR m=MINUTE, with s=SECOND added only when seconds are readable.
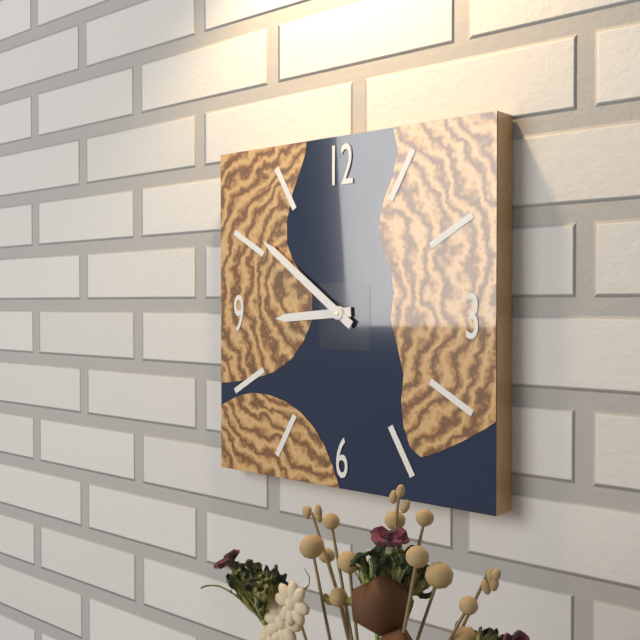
h=8 m=51
